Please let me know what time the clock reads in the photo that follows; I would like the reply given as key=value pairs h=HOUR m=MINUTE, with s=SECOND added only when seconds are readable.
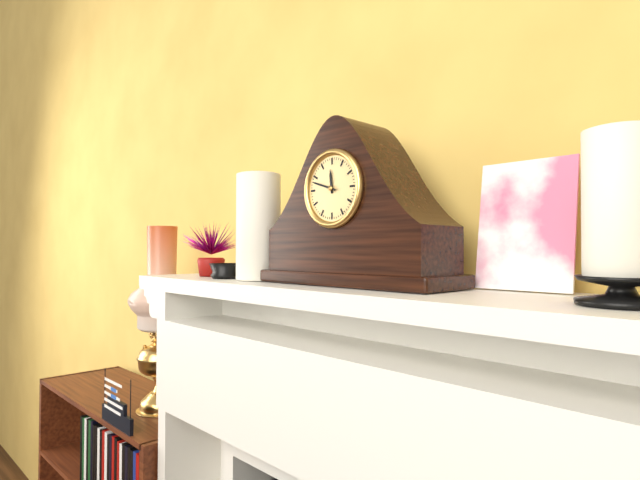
h=11 m=48
